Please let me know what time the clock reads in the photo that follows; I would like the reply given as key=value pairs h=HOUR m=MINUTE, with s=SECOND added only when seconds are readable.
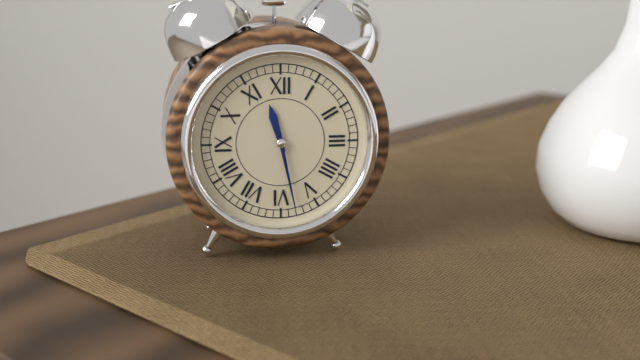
h=11 m=28
